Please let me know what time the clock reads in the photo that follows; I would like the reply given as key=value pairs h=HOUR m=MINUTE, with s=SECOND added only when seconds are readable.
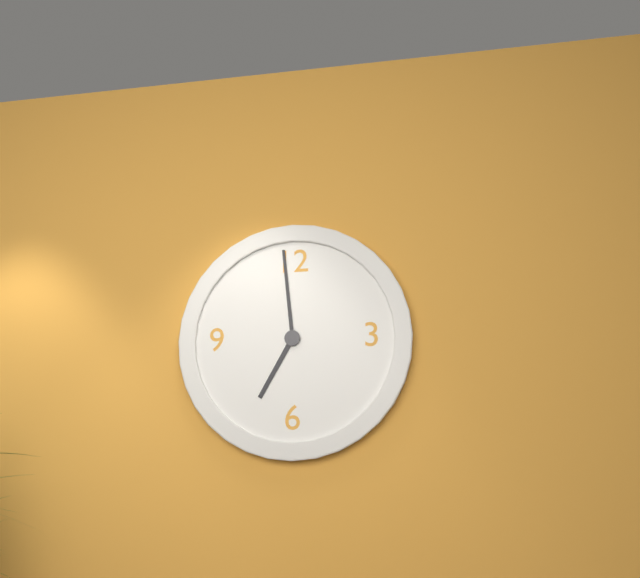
h=6 m=59
